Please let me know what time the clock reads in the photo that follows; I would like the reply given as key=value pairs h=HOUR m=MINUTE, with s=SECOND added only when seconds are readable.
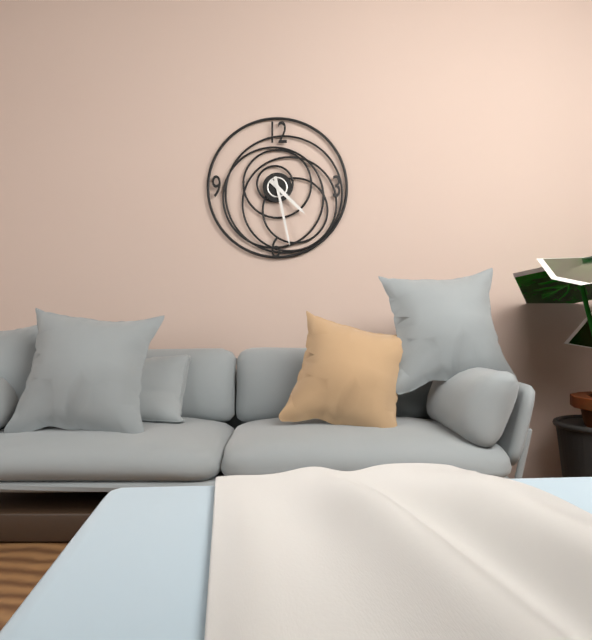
h=4 m=28
